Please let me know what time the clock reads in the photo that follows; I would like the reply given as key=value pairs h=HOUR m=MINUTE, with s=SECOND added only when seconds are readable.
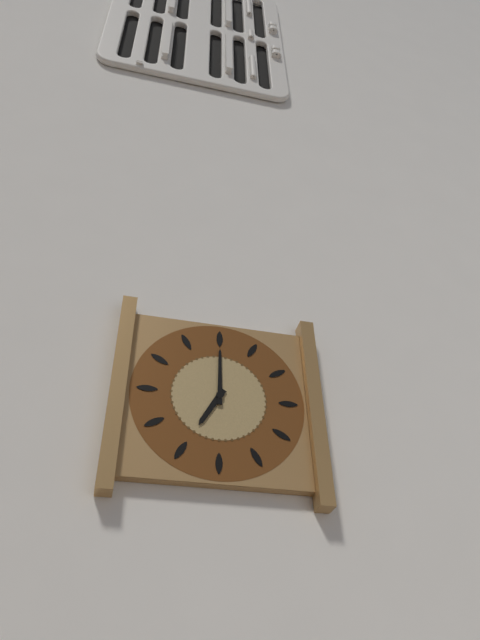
h=7 m=0
